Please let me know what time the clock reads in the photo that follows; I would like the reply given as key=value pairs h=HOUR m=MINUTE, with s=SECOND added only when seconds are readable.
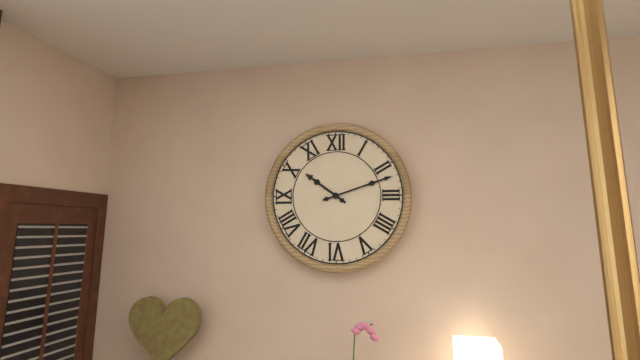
h=10 m=12
